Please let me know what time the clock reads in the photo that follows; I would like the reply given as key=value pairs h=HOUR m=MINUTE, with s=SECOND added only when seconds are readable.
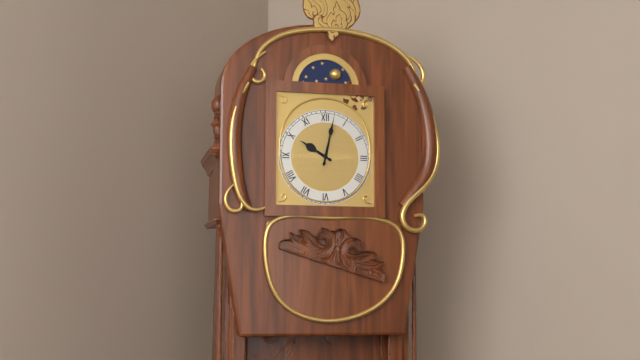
h=10 m=2
